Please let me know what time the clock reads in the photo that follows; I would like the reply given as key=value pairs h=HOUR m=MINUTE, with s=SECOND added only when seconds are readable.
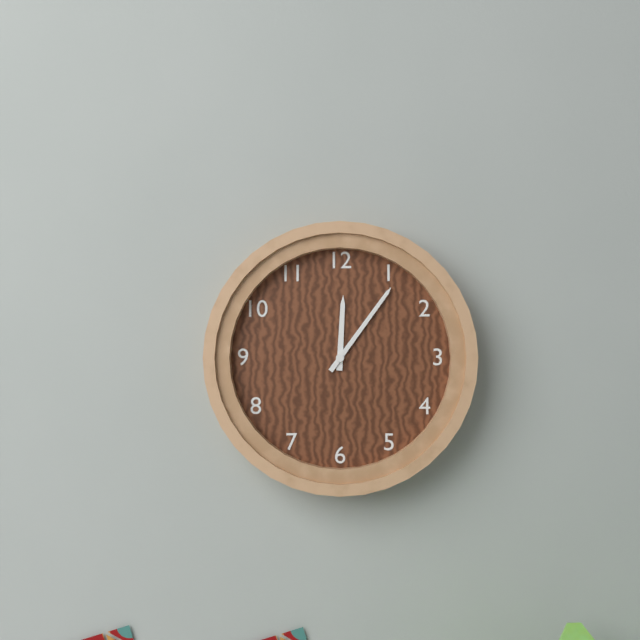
h=12 m=6
